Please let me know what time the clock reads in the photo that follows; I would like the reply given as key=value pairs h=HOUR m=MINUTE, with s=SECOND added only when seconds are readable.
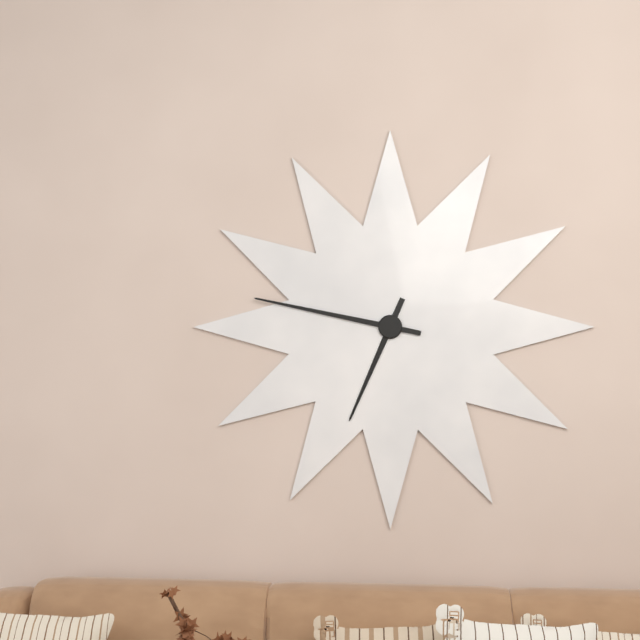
h=6 m=47
